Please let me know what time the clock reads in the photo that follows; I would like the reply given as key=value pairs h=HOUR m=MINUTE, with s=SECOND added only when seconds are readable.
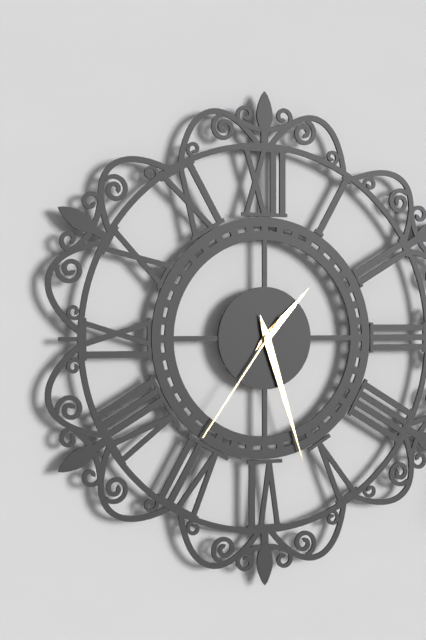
h=1 m=27 s=36
